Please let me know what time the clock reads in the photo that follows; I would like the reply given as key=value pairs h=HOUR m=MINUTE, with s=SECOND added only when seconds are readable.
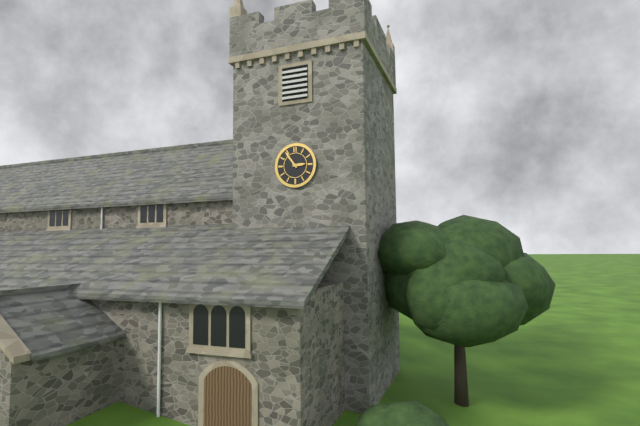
h=2 m=54
